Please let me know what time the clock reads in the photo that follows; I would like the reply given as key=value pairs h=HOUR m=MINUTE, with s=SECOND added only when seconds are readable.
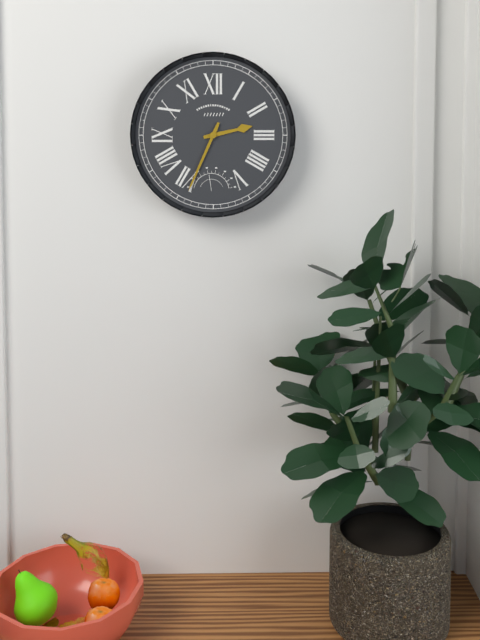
h=2 m=34
